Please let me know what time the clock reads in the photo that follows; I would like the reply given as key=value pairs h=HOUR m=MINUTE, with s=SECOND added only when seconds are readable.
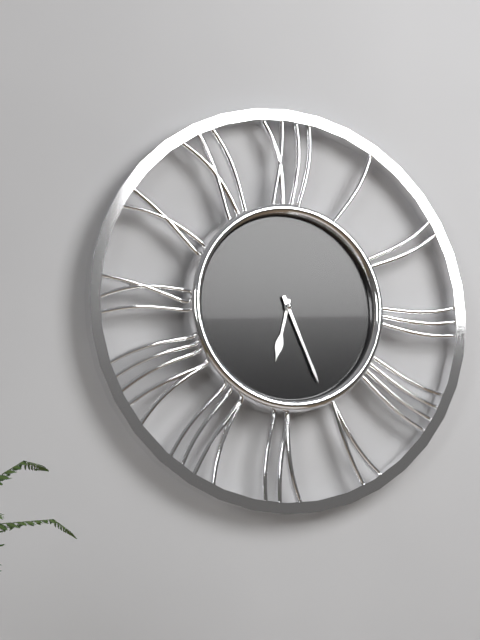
h=6 m=26
